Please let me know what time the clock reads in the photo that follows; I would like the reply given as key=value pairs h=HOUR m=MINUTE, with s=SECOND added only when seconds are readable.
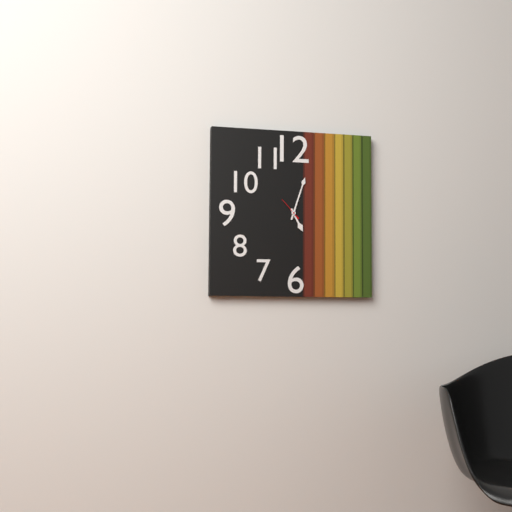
h=5 m=3
